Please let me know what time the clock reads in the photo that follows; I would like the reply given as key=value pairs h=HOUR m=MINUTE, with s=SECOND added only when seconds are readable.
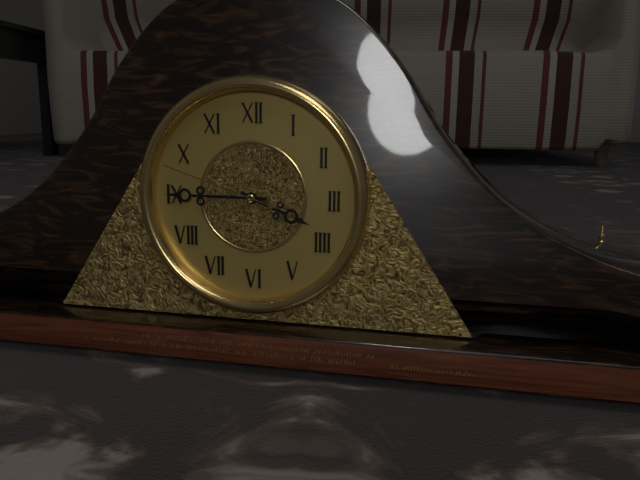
h=3 m=45 s=48
